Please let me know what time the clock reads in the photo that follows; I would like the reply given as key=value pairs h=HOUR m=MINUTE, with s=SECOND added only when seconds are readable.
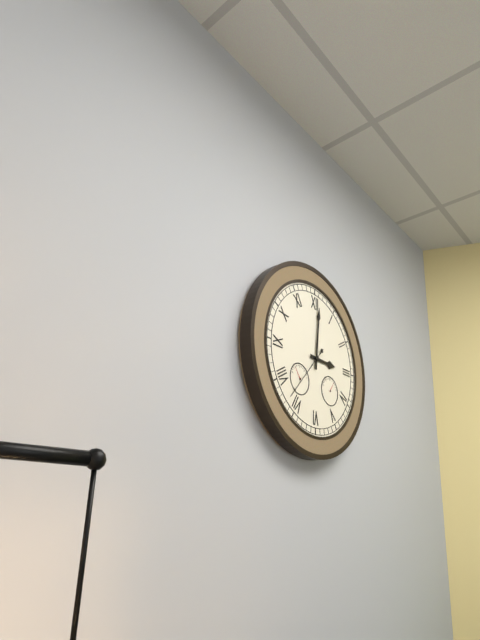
h=3 m=1
